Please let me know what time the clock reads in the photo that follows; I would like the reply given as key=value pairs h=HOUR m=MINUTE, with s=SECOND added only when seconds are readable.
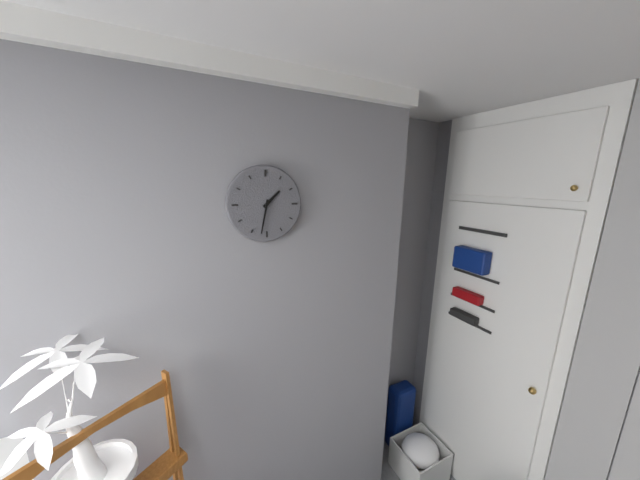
h=1 m=32
